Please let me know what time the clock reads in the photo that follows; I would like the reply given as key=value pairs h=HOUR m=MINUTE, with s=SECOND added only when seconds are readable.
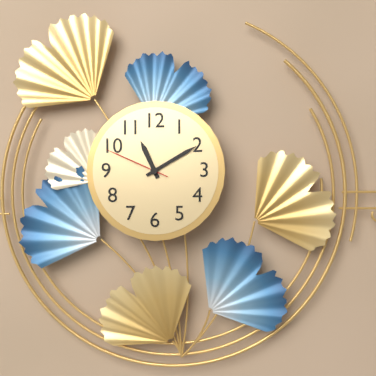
h=11 m=10 s=49
